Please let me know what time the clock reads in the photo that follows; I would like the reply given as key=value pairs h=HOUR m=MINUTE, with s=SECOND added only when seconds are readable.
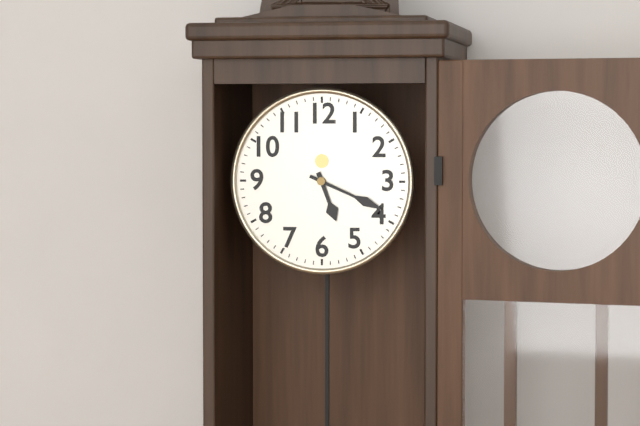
h=5 m=19
